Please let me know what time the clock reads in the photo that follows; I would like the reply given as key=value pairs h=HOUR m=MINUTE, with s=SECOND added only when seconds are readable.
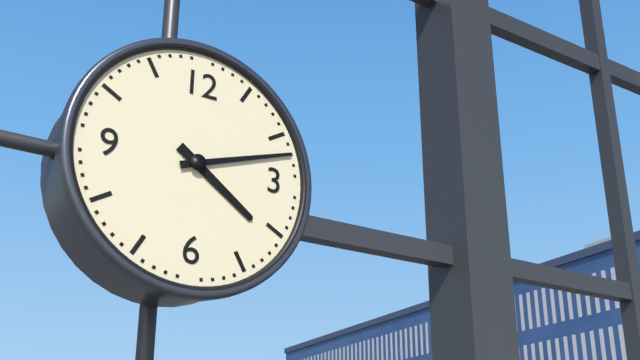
h=4 m=12
